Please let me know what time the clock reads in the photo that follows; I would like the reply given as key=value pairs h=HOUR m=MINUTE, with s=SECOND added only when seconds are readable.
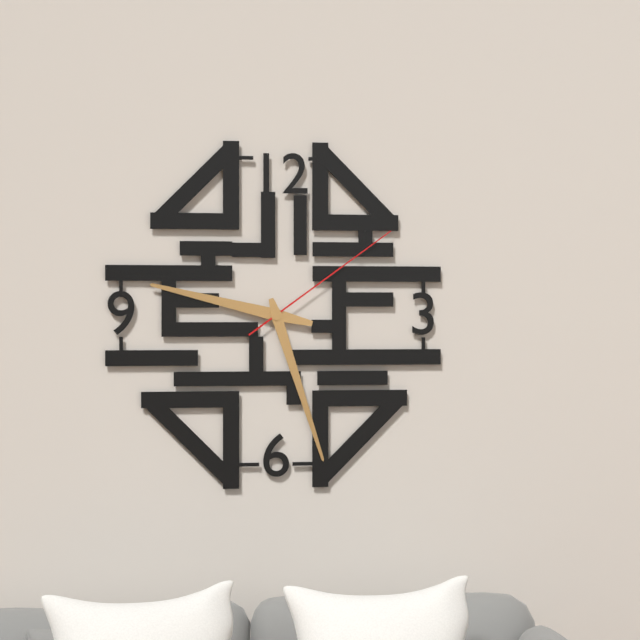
h=9 m=27 s=9
